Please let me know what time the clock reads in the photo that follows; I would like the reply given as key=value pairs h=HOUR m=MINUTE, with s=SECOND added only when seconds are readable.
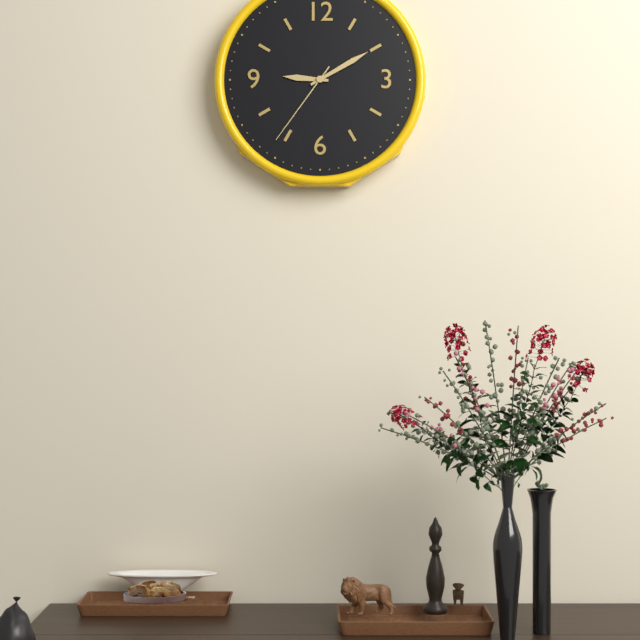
h=9 m=10 s=36
